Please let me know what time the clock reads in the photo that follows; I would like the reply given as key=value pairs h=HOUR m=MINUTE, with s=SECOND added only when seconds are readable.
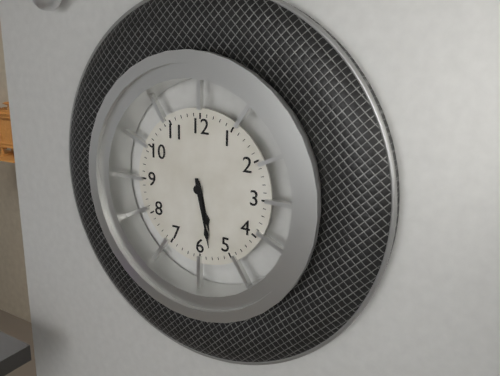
h=5 m=28
